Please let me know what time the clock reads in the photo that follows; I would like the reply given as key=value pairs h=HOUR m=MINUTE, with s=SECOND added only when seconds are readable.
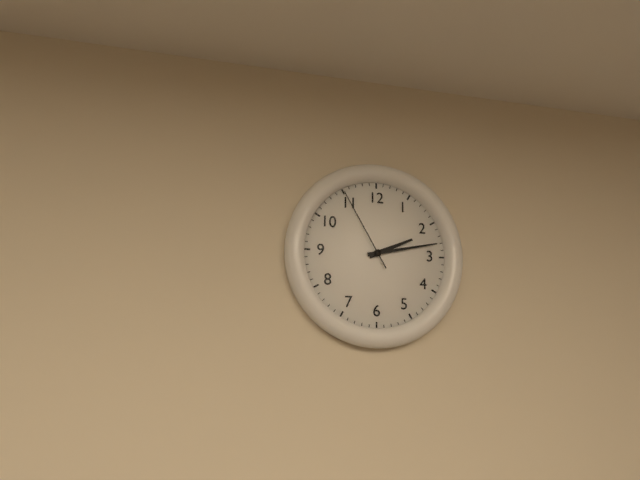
h=2 m=13 s=55
